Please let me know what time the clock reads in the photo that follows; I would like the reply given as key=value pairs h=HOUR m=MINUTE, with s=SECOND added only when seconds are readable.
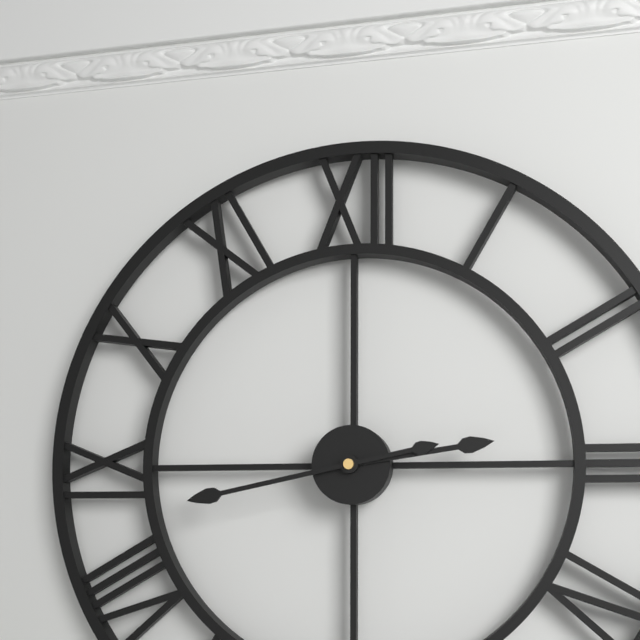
h=2 m=43
